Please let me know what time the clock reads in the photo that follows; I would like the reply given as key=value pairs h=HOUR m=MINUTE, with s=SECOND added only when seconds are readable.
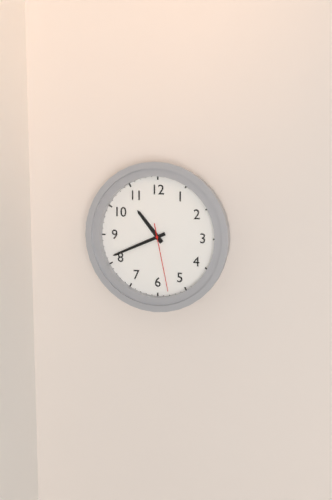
h=10 m=41 s=28
